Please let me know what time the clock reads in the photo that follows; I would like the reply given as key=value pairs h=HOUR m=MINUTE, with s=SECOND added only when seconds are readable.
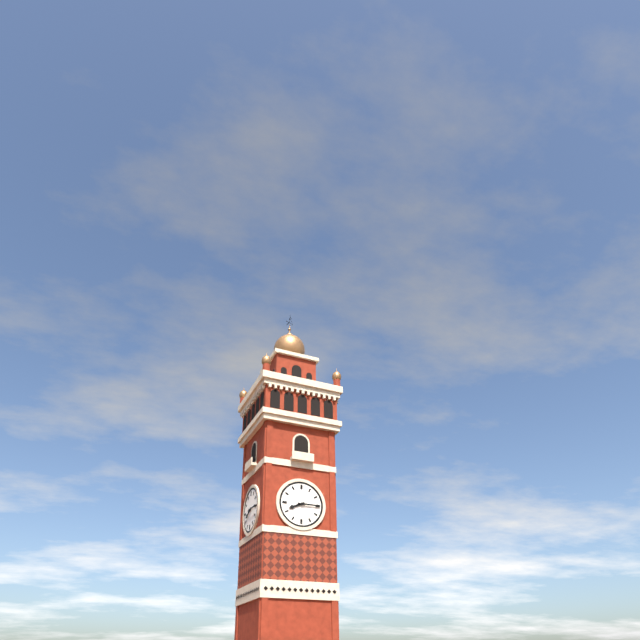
h=8 m=15
